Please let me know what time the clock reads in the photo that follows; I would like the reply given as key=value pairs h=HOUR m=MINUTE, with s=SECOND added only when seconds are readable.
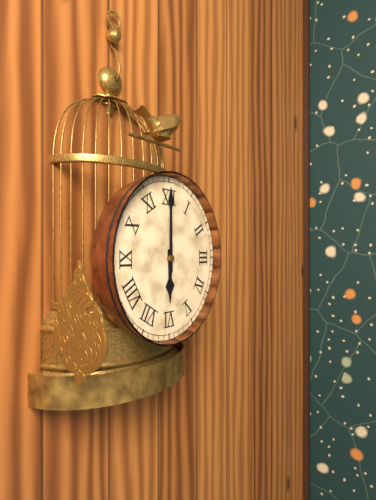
h=6 m=0
